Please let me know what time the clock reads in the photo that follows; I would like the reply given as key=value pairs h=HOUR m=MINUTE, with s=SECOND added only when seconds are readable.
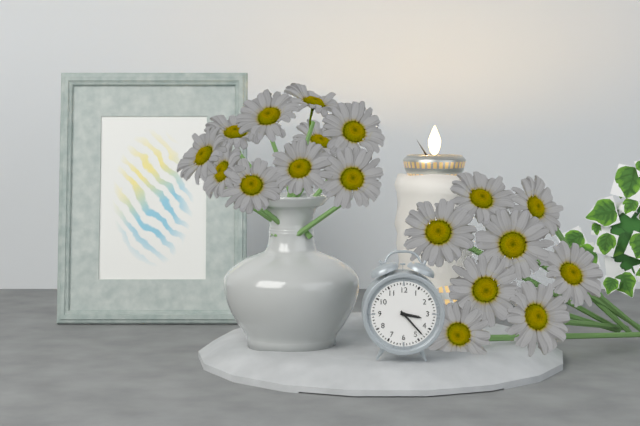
h=3 m=23
